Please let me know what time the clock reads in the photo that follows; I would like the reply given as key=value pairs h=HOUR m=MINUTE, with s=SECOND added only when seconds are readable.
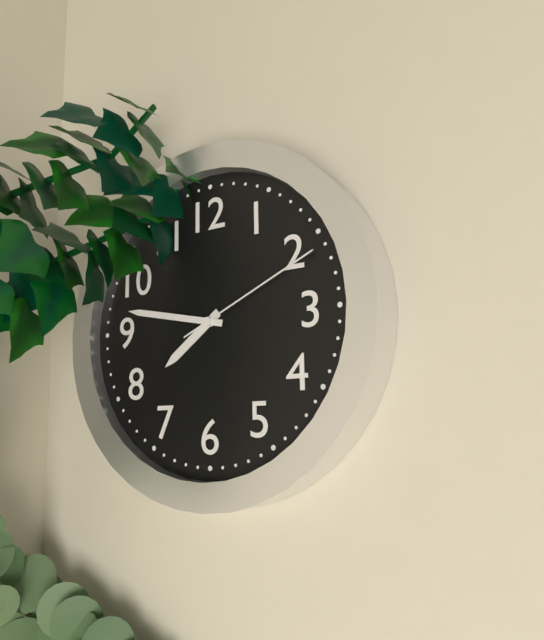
h=7 m=47 s=11
